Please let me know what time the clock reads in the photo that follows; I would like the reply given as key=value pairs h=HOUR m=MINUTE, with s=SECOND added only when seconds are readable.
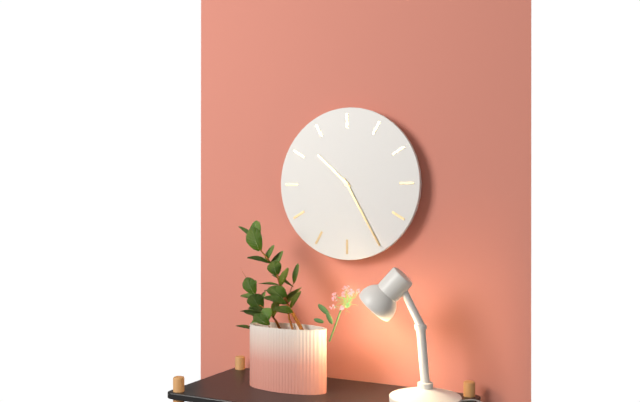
h=10 m=25
